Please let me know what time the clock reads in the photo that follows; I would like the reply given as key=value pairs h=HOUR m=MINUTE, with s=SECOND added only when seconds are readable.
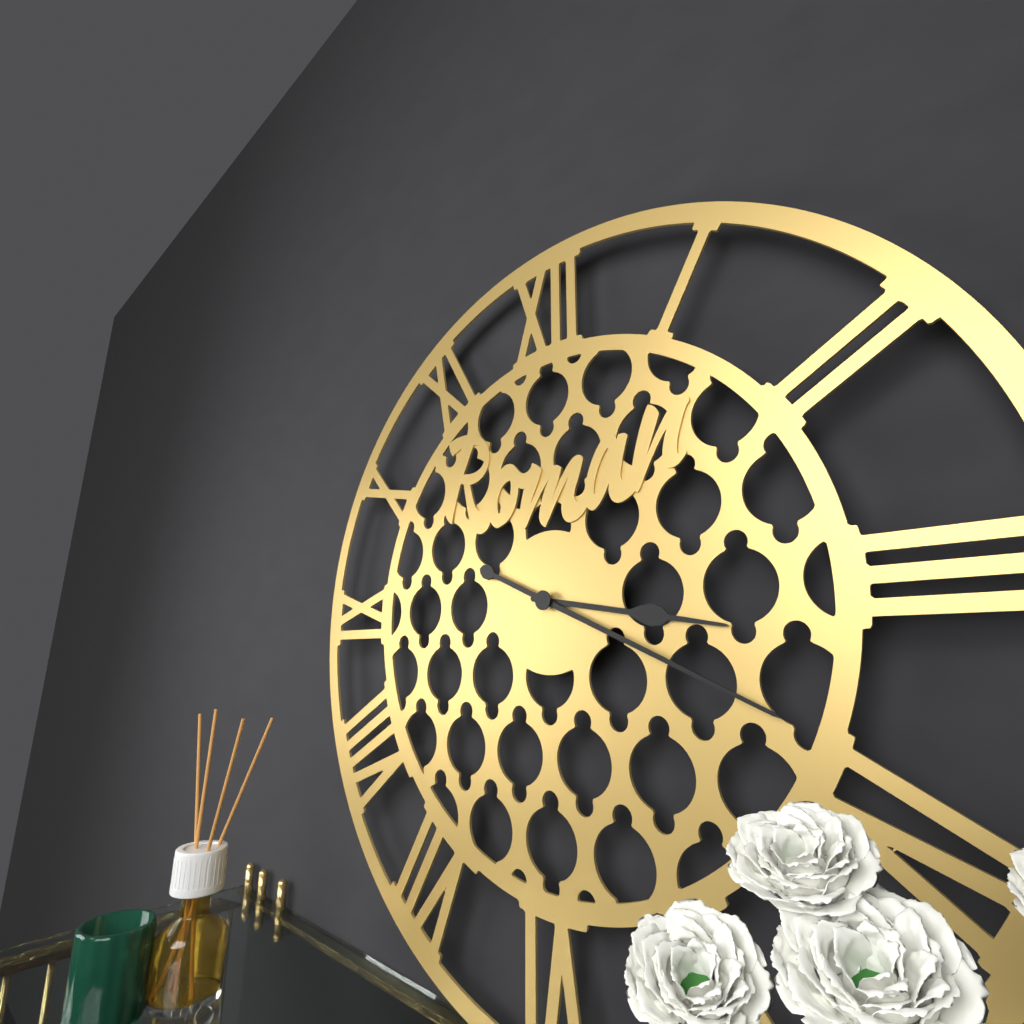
h=3 m=19
